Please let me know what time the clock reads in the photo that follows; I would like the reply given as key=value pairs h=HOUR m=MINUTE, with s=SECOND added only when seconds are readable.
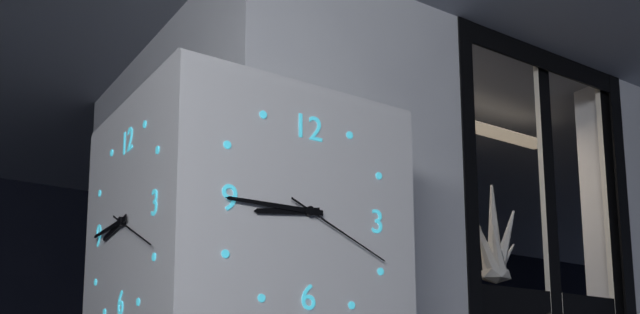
h=8 m=45 s=19
